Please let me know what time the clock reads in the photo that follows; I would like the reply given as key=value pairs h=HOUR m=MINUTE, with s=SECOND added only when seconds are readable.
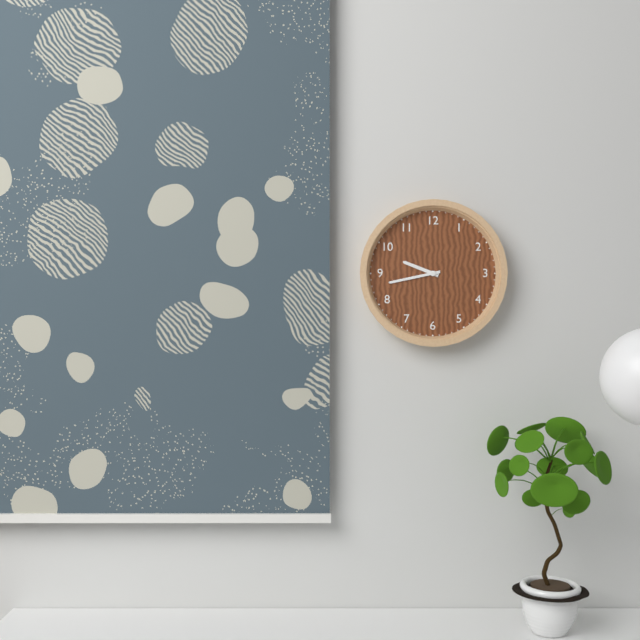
h=9 m=43
